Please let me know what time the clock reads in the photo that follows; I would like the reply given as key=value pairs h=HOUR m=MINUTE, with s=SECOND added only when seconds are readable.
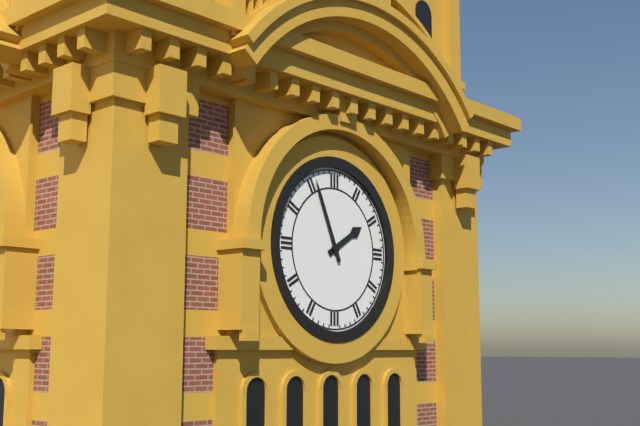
h=1 m=56
